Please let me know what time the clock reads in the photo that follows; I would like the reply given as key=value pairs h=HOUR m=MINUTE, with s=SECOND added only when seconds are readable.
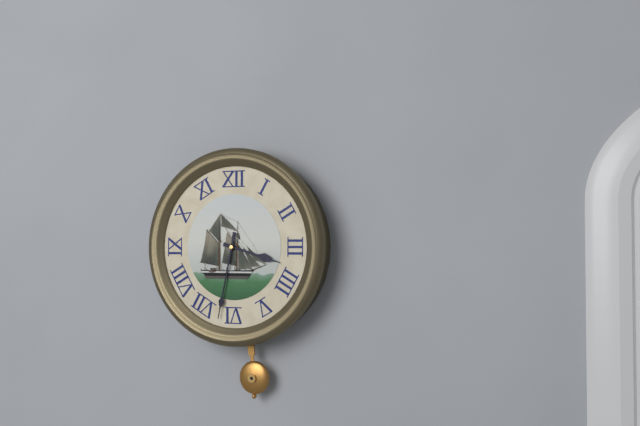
h=3 m=32
